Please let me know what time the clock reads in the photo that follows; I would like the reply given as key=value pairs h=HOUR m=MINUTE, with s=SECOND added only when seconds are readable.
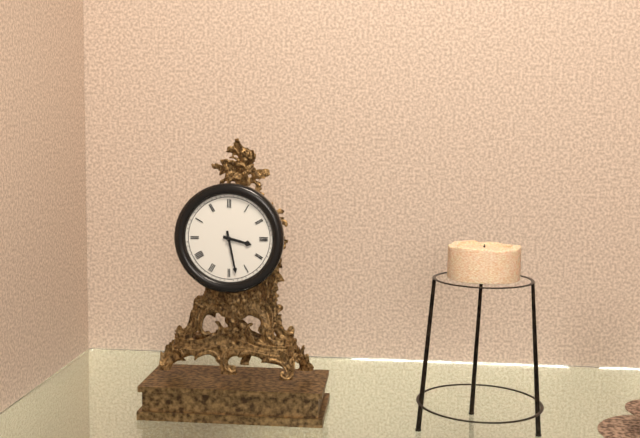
h=3 m=28
